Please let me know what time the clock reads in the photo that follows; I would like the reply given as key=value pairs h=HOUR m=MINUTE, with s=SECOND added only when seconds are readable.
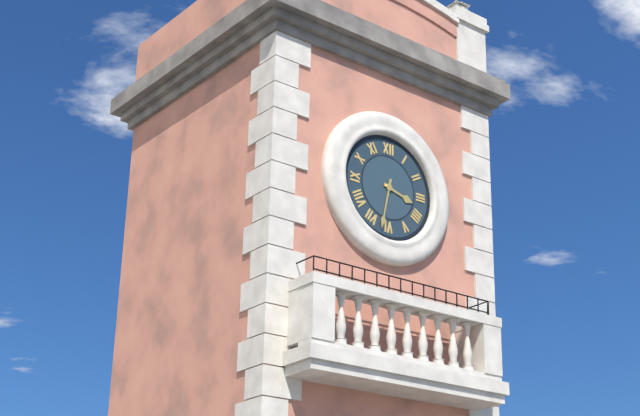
h=3 m=32
